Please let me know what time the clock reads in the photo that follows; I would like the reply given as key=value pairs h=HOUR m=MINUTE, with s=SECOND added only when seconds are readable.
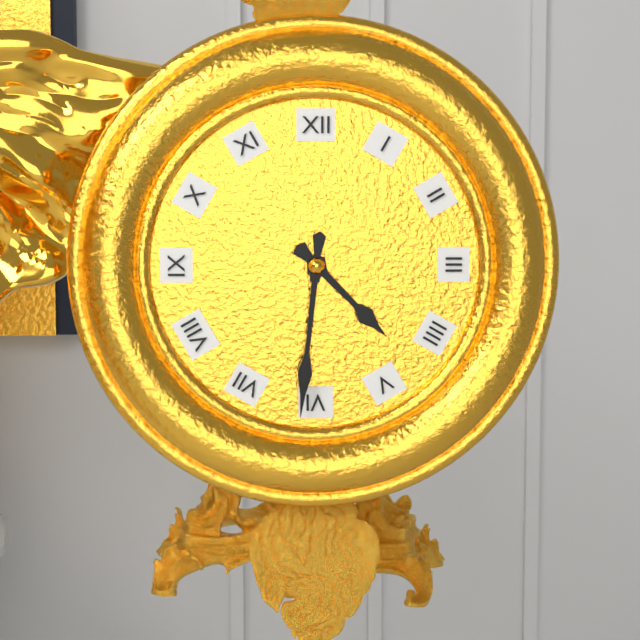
h=4 m=31
